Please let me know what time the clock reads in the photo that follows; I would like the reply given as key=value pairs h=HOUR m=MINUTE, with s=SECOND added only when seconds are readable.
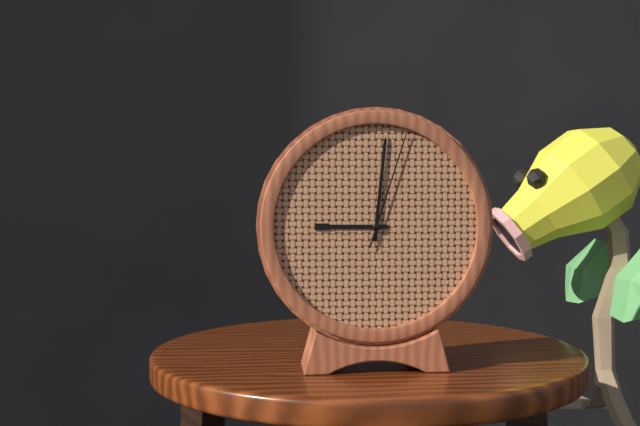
h=9 m=1 s=3
